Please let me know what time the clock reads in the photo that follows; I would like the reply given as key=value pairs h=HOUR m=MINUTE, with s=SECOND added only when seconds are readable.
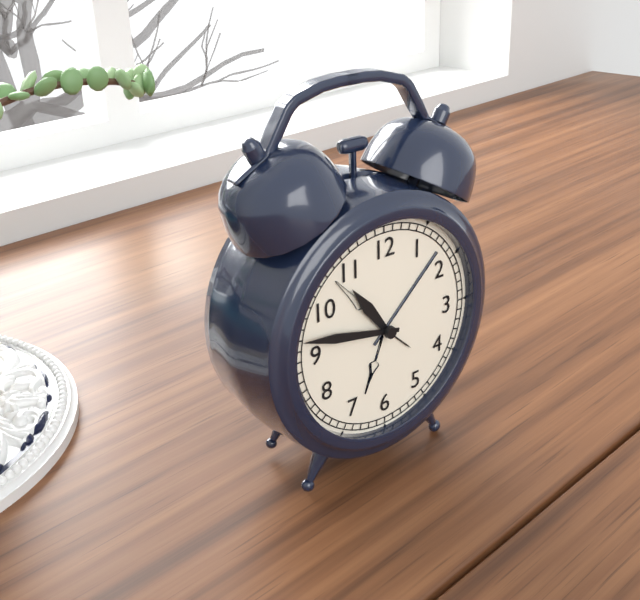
h=10 m=47
